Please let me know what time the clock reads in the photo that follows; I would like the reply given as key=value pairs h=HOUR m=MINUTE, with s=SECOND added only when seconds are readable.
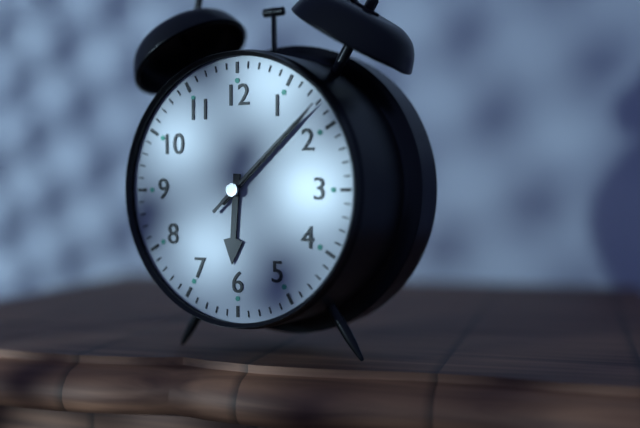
h=6 m=8 s=8
